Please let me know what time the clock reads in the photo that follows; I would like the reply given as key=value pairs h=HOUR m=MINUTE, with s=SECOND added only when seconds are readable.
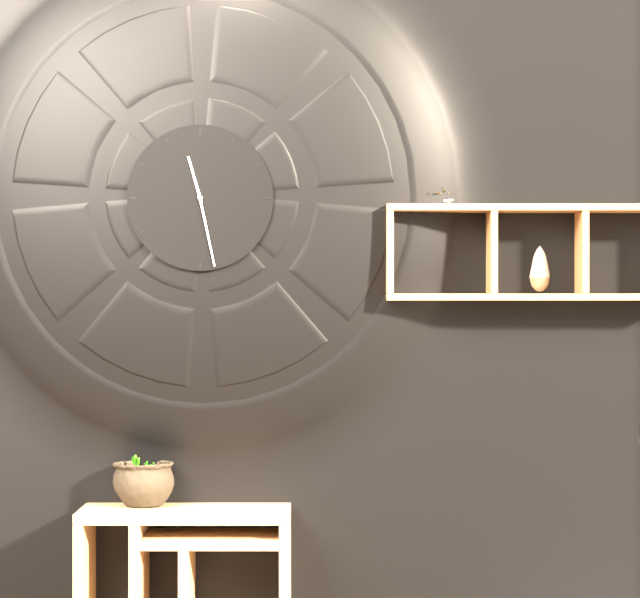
h=11 m=28
